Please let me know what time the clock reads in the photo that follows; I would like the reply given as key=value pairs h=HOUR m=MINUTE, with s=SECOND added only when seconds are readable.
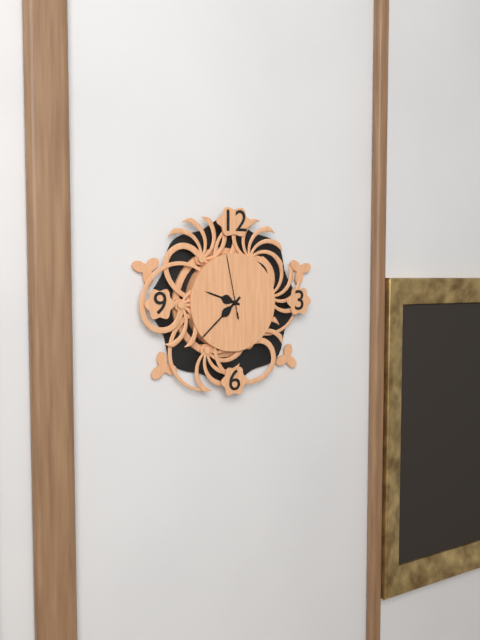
h=9 m=38 s=58
